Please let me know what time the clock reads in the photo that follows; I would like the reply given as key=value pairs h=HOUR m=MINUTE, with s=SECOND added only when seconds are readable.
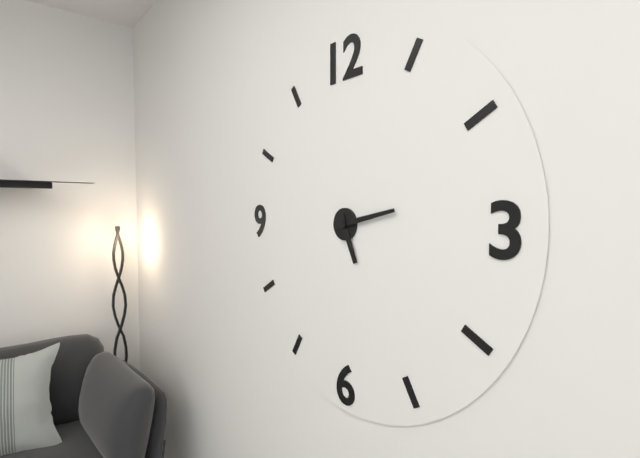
h=5 m=13
